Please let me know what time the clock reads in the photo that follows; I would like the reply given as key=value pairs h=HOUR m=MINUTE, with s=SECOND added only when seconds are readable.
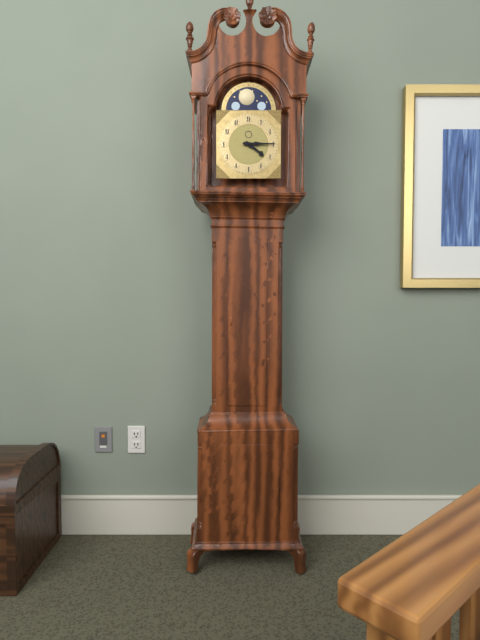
h=4 m=15
